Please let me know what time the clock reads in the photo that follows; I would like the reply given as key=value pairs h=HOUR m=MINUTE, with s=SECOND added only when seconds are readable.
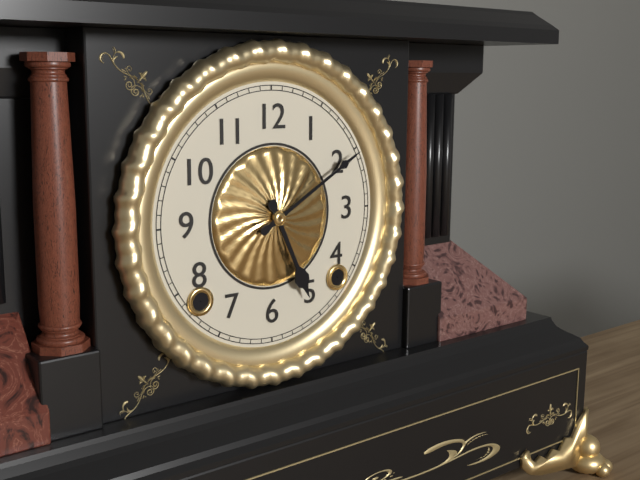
h=5 m=10
